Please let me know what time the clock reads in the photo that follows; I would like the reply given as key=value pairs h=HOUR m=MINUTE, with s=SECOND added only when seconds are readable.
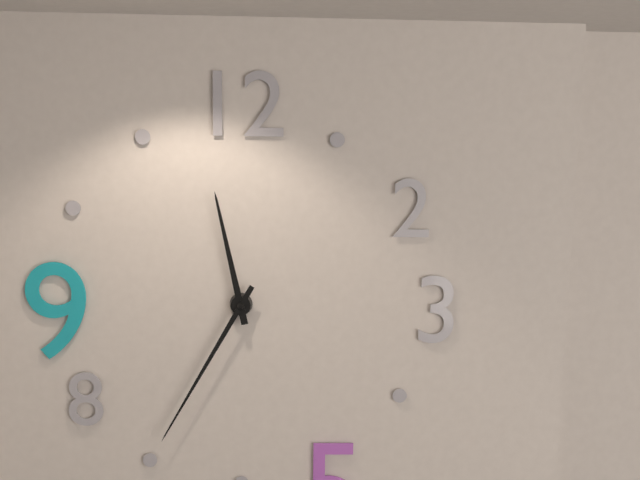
h=11 m=35
